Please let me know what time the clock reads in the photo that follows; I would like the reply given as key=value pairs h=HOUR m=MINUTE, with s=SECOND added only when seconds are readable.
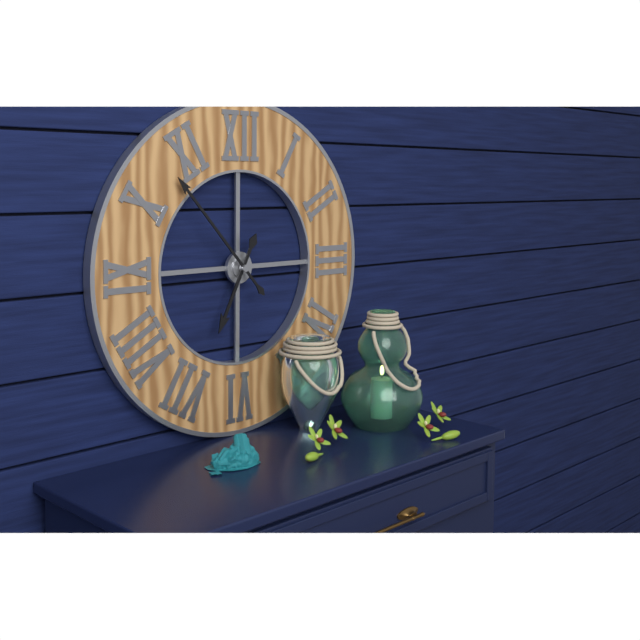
h=6 m=53
